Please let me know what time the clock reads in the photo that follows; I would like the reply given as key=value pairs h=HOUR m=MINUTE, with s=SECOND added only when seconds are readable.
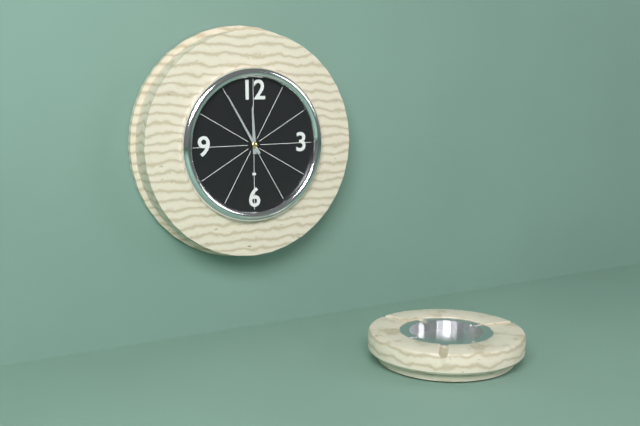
h=11 m=55
